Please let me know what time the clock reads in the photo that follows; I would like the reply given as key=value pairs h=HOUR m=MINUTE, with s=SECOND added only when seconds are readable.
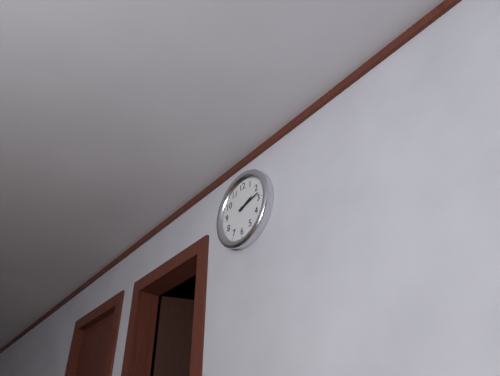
h=2 m=13
